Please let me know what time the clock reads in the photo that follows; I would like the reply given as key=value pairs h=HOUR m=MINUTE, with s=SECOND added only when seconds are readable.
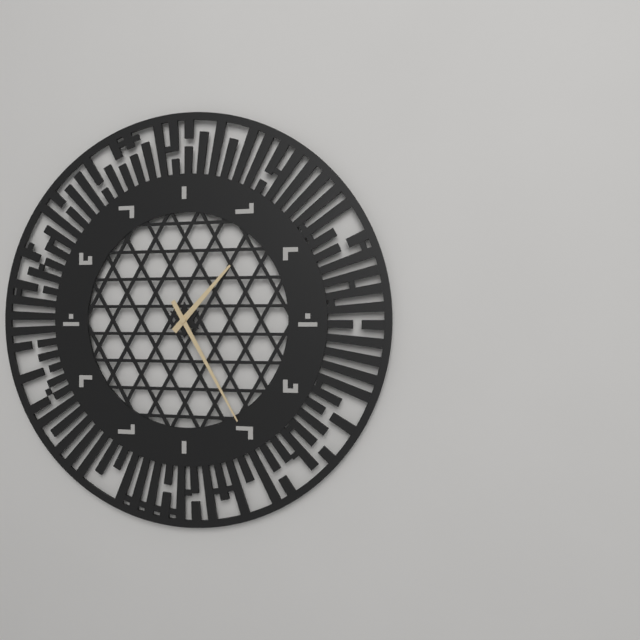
h=1 m=25
